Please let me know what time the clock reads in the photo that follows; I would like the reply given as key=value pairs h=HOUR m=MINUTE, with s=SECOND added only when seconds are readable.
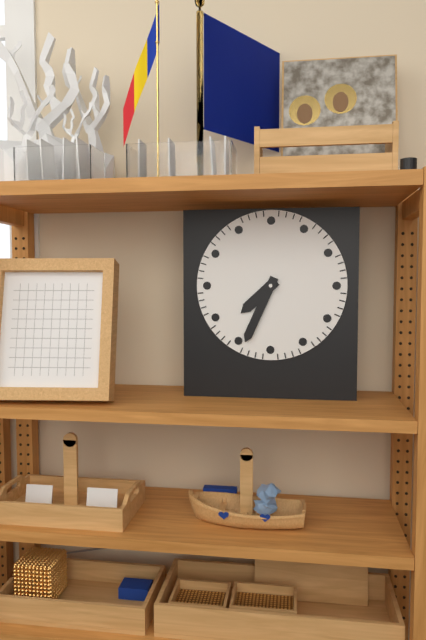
h=7 m=34
